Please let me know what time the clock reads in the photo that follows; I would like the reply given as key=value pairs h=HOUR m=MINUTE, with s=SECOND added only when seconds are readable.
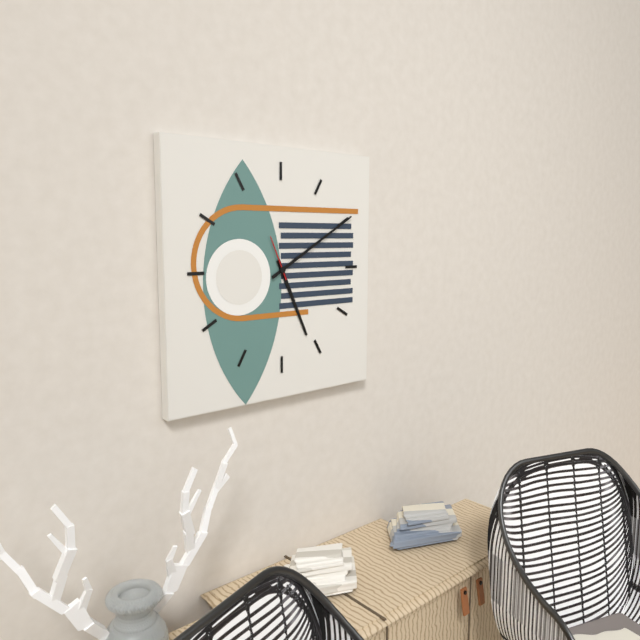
h=5 m=10
